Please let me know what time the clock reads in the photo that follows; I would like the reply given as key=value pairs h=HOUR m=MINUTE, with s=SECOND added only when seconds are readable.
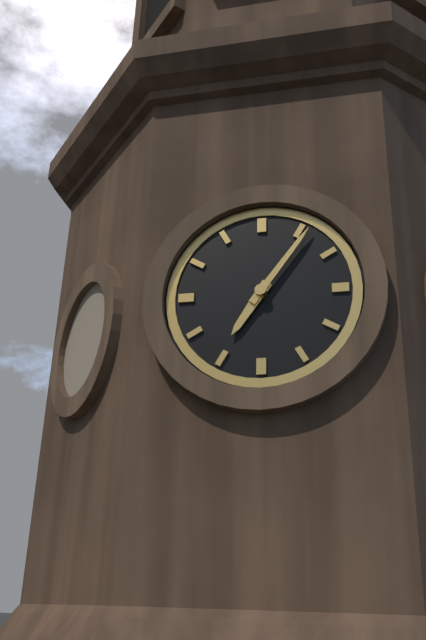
h=7 m=6
